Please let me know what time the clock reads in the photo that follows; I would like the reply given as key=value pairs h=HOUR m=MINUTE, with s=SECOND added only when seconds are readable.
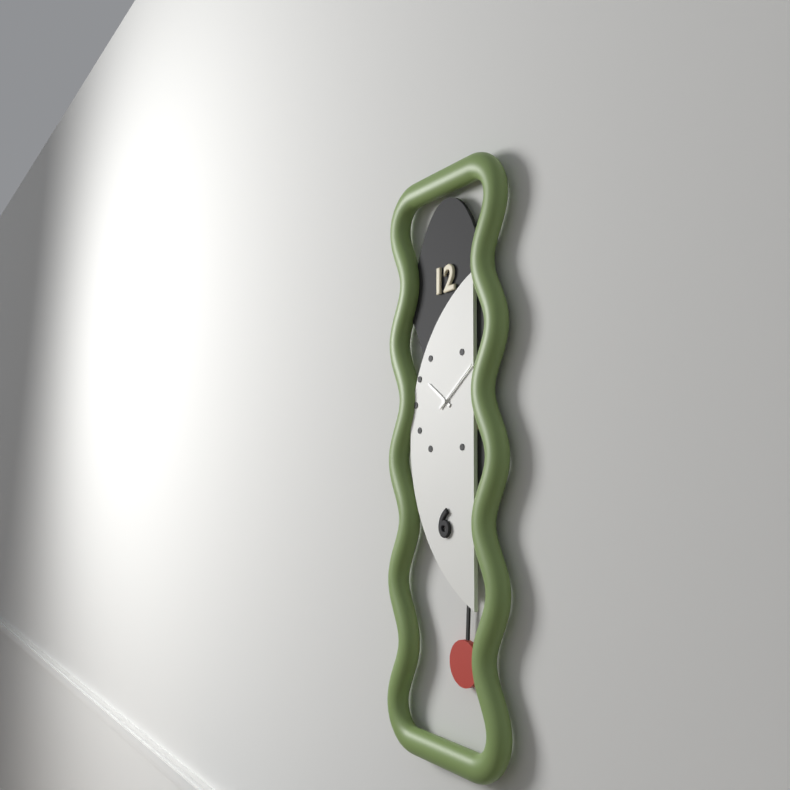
h=10 m=9
